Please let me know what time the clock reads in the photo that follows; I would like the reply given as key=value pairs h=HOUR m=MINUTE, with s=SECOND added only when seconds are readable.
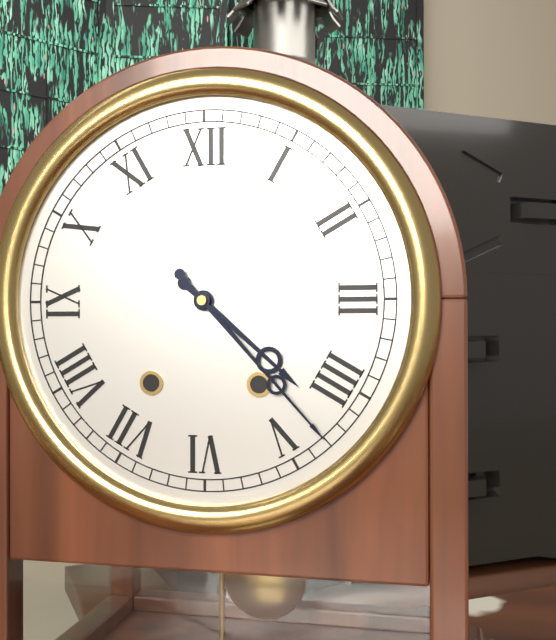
h=4 m=23
